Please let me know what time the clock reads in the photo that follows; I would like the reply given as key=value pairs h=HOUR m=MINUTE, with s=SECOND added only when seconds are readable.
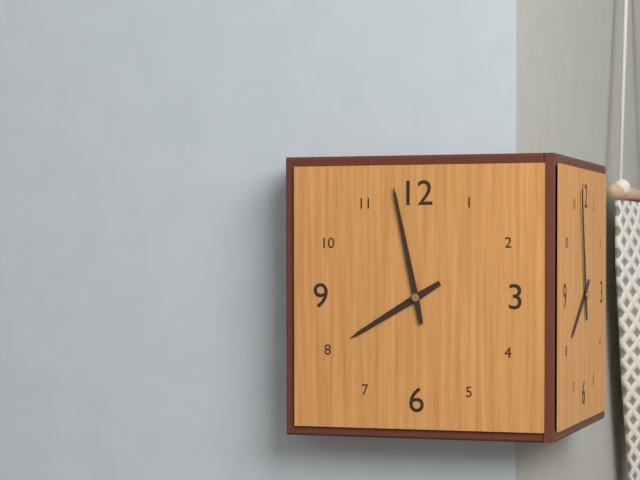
h=7 m=58
